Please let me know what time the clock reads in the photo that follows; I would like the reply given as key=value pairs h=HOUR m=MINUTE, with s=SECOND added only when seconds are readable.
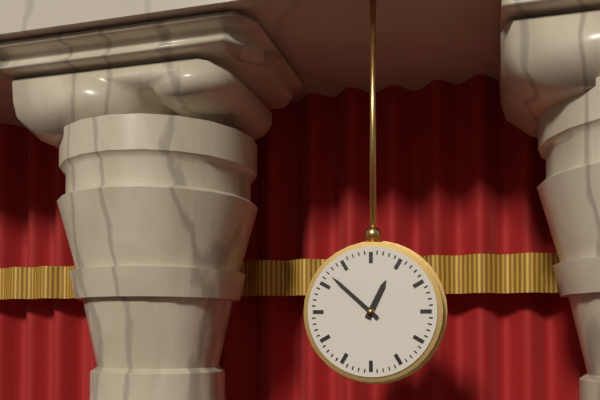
h=12 m=52
